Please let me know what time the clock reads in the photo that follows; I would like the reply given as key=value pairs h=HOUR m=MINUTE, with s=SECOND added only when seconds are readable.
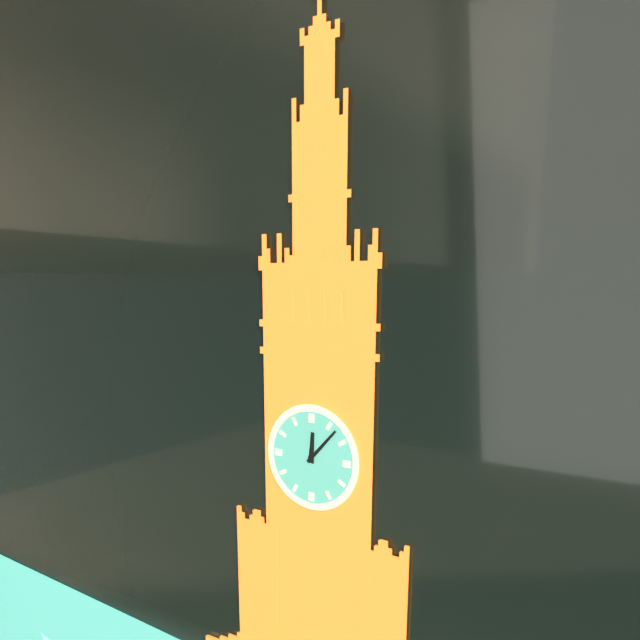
h=12 m=7
